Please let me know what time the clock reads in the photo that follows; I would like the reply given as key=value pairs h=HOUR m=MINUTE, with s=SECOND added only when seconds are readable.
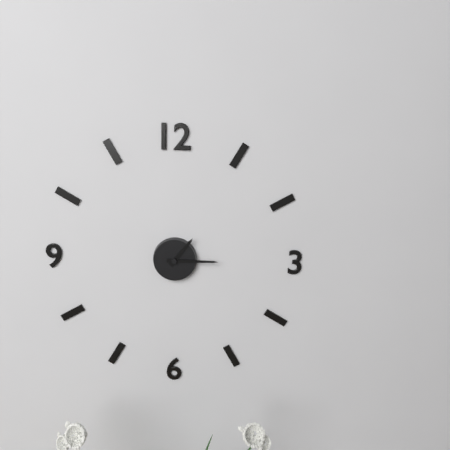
h=1 m=15
